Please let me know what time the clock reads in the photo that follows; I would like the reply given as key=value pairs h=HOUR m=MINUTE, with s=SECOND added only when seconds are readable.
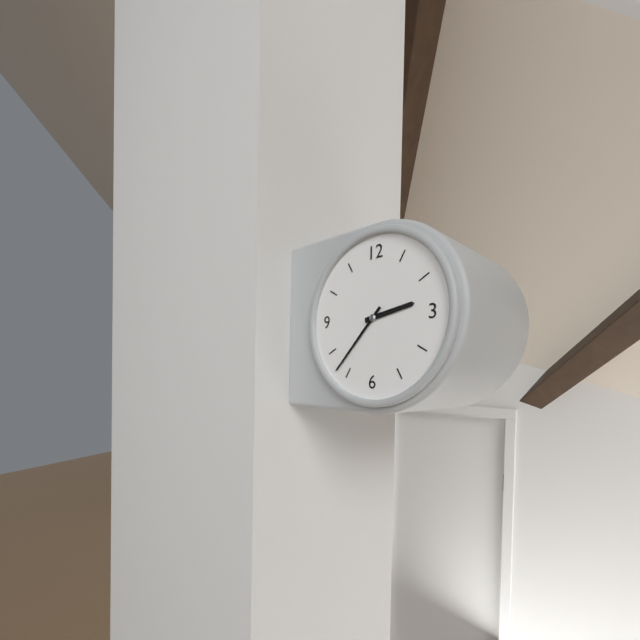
h=2 m=37
